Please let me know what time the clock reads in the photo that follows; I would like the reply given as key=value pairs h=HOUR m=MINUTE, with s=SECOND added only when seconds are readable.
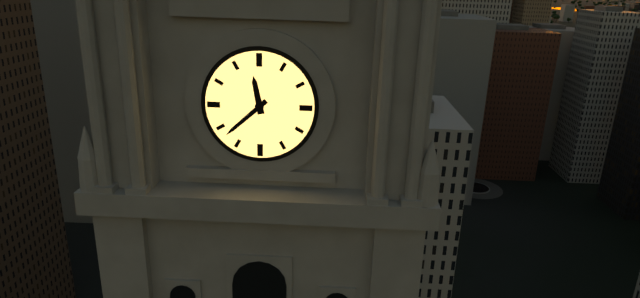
h=11 m=38
